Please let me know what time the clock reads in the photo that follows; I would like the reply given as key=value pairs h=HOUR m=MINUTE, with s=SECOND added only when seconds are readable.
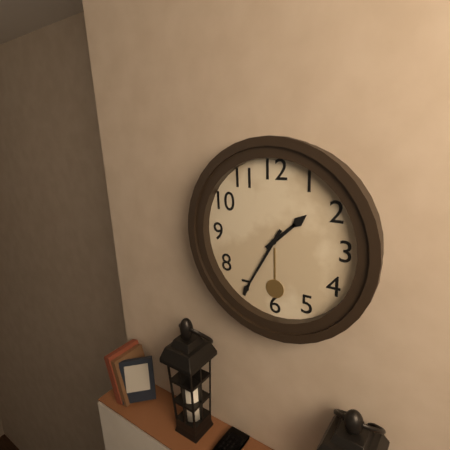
h=1 m=35
